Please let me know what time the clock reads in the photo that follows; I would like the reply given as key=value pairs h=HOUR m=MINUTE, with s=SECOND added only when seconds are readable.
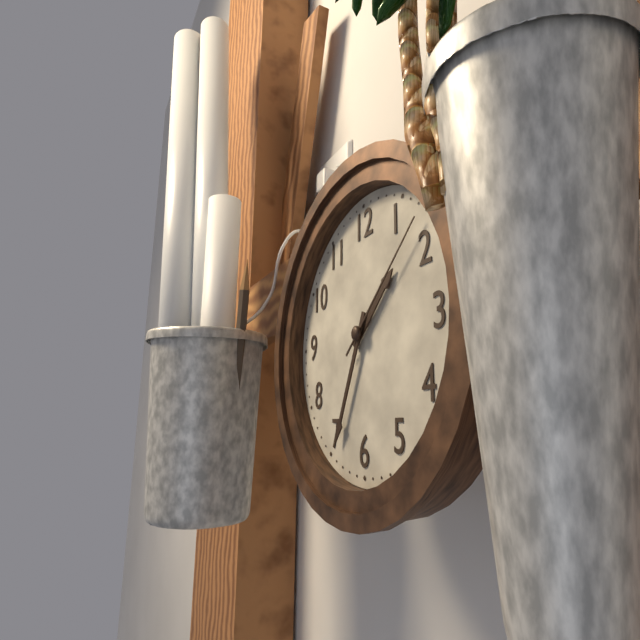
h=1 m=34 s=8
